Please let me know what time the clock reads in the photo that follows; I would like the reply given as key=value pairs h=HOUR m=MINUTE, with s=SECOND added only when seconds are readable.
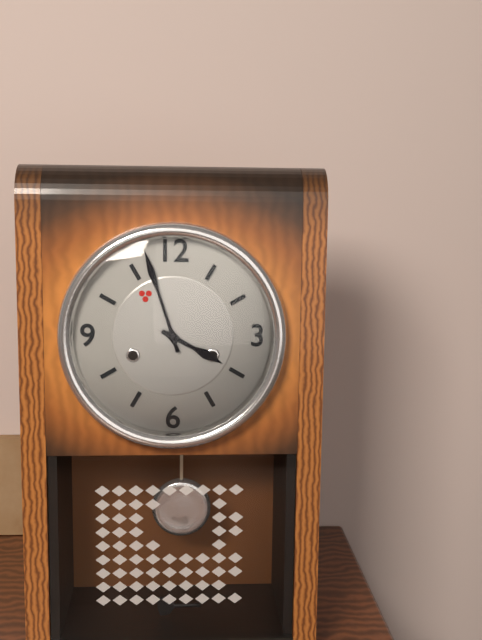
h=3 m=57
